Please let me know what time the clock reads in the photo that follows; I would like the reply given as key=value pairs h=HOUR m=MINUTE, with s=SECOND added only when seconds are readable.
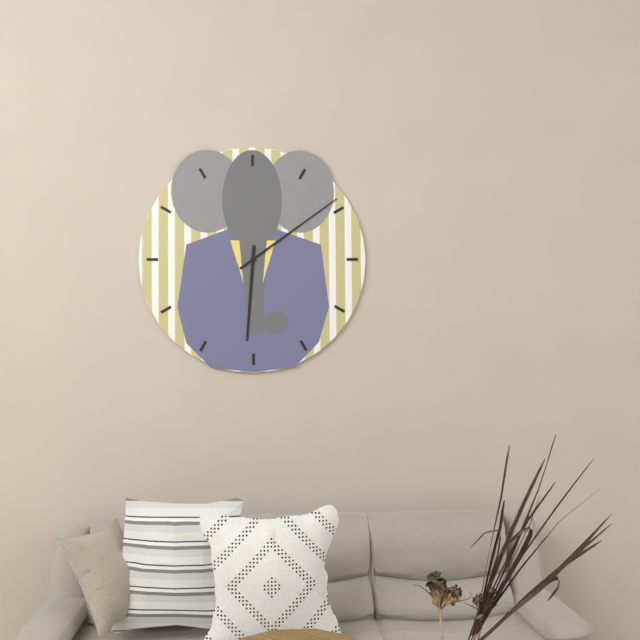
h=6 m=9
